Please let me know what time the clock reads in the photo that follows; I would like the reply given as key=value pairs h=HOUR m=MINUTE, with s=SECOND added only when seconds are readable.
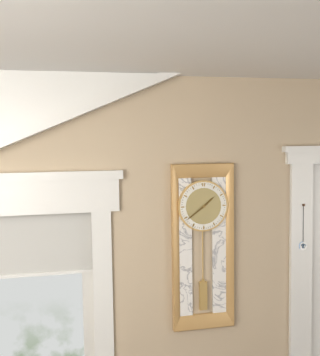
h=1 m=39
